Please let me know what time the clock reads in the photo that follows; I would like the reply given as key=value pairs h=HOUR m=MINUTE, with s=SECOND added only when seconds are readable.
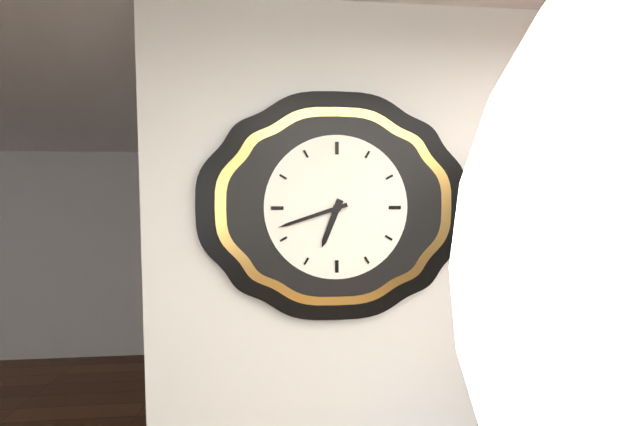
h=6 m=42
